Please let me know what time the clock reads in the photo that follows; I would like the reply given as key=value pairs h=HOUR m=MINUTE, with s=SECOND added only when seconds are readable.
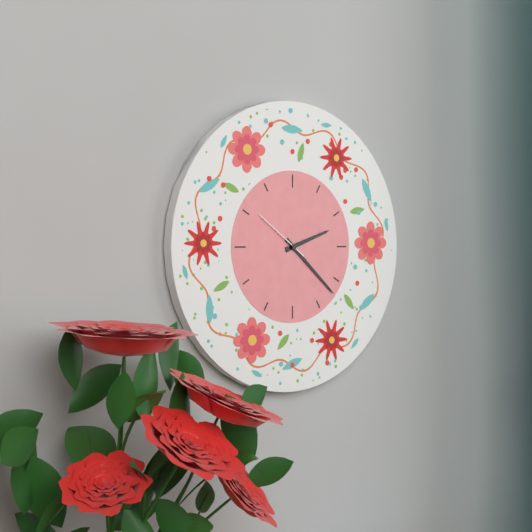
h=2 m=22 s=51
